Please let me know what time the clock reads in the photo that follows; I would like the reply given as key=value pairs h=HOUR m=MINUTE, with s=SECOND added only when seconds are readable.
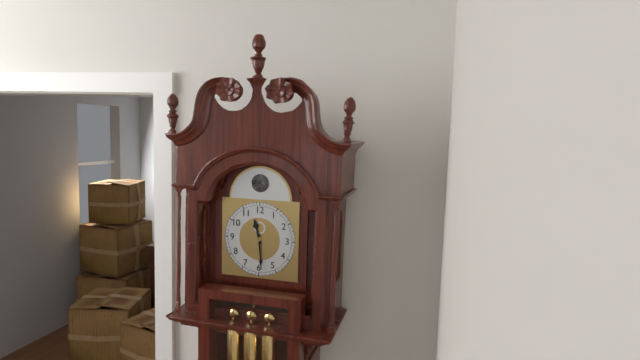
h=11 m=29
